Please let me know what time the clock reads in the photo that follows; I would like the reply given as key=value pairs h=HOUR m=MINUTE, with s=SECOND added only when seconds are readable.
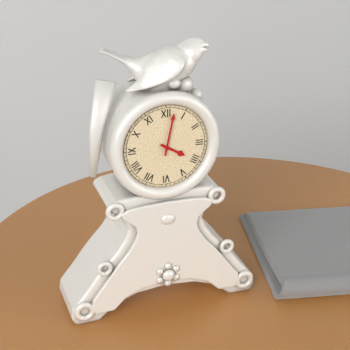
h=4 m=2
